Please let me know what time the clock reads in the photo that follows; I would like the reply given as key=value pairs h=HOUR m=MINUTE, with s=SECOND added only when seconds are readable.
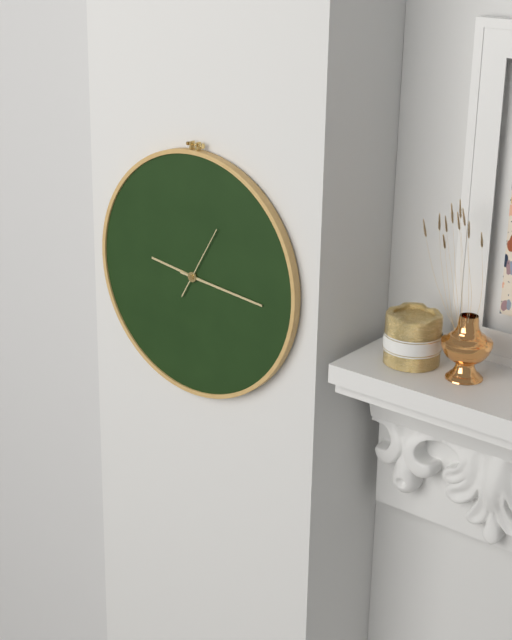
h=9 m=16 s=5
